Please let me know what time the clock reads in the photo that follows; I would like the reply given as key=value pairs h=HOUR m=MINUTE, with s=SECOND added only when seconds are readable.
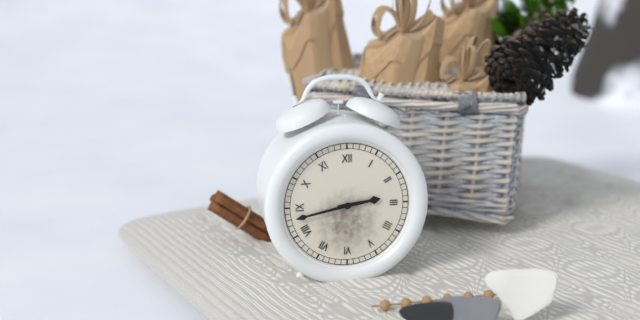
h=2 m=43
